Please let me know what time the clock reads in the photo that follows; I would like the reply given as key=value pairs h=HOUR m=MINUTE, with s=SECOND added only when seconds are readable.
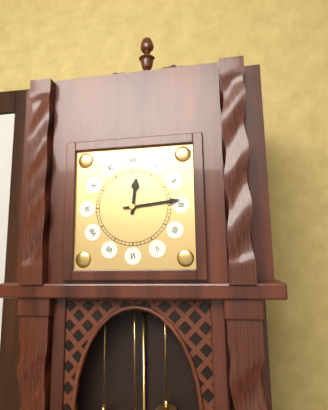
h=12 m=14
